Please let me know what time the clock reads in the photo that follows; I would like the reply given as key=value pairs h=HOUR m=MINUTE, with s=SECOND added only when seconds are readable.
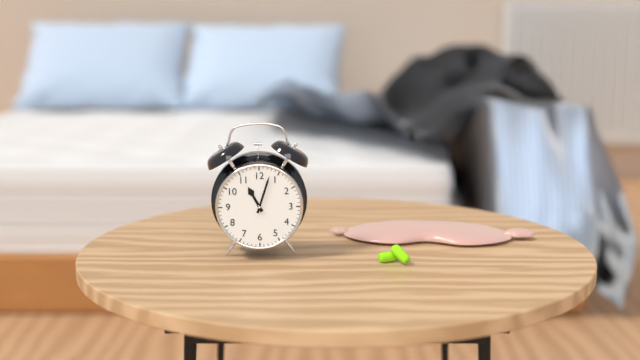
h=11 m=3
